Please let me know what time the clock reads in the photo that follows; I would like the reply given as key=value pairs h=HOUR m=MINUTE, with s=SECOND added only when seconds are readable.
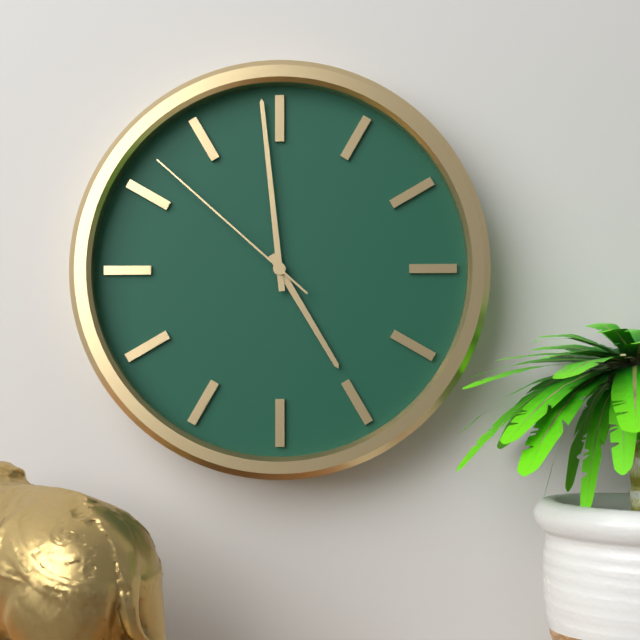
h=4 m=59 s=52
